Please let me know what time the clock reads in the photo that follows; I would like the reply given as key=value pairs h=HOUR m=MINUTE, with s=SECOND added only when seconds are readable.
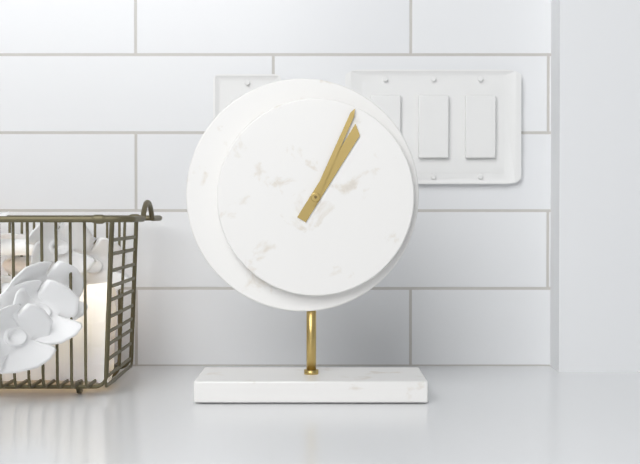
h=1 m=4
